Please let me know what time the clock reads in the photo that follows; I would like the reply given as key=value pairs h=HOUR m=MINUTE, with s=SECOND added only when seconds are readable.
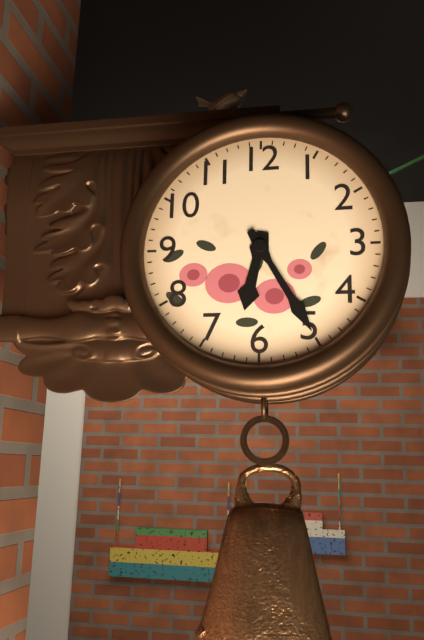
h=6 m=25
